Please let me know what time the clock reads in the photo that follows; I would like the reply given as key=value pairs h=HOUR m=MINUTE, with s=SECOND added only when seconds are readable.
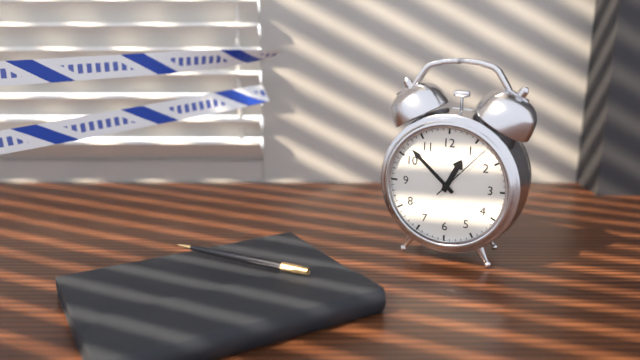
h=12 m=52 s=7
